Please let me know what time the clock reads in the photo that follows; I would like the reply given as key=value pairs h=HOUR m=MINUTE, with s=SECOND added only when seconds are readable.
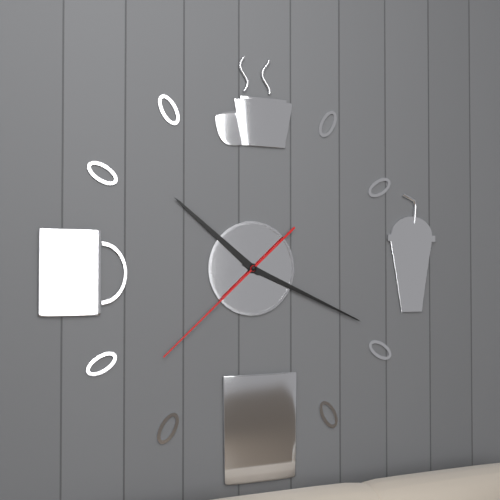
h=10 m=19 s=38
